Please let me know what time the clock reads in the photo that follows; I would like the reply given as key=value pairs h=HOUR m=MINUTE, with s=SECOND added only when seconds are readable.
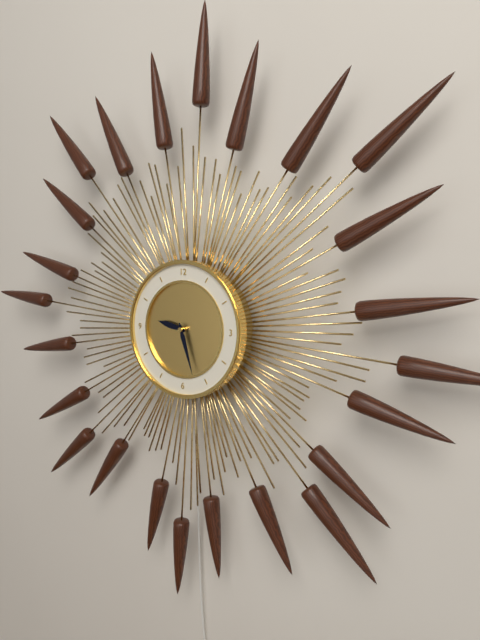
h=9 m=27
